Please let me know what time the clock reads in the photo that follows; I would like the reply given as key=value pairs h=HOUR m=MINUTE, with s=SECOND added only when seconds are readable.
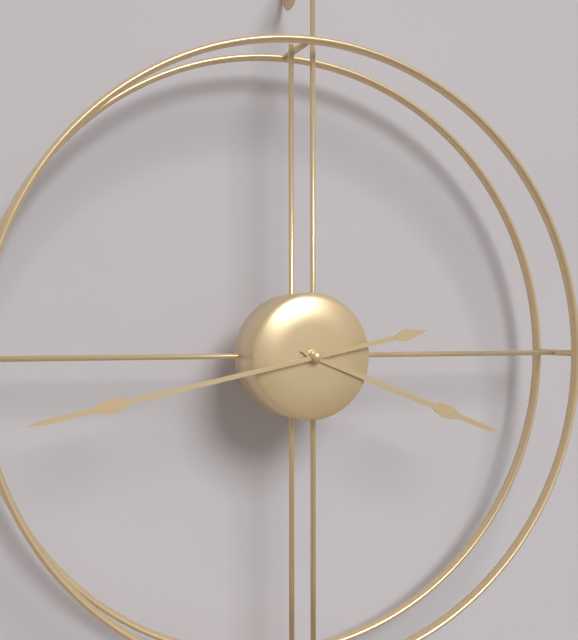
h=3 m=43
